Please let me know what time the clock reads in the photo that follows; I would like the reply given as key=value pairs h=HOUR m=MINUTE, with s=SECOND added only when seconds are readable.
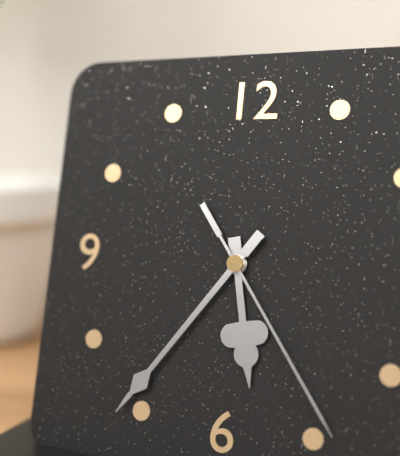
h=5 m=36 s=24
